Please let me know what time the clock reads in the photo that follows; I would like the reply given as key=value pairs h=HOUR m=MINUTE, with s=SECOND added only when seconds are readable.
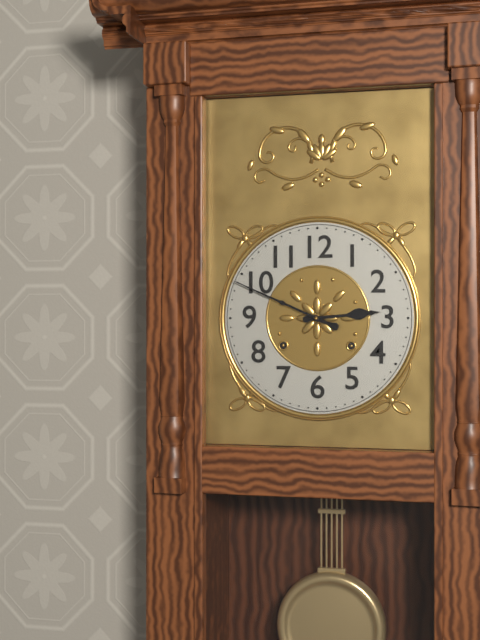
h=2 m=49
